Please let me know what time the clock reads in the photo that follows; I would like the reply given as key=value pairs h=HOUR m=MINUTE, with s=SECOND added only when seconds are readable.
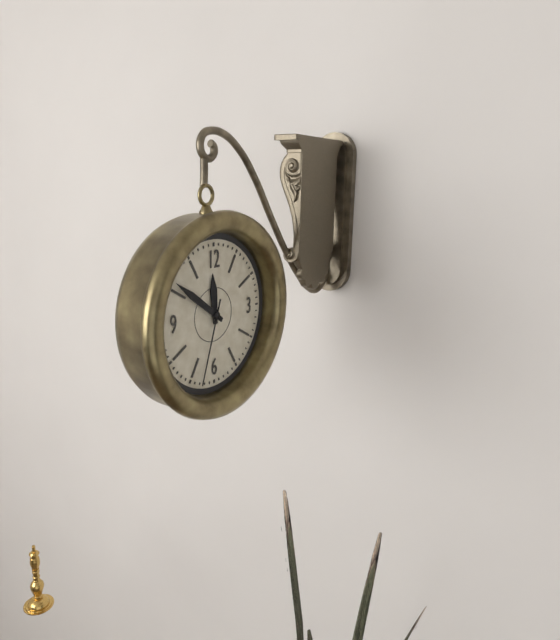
h=11 m=51 s=33
